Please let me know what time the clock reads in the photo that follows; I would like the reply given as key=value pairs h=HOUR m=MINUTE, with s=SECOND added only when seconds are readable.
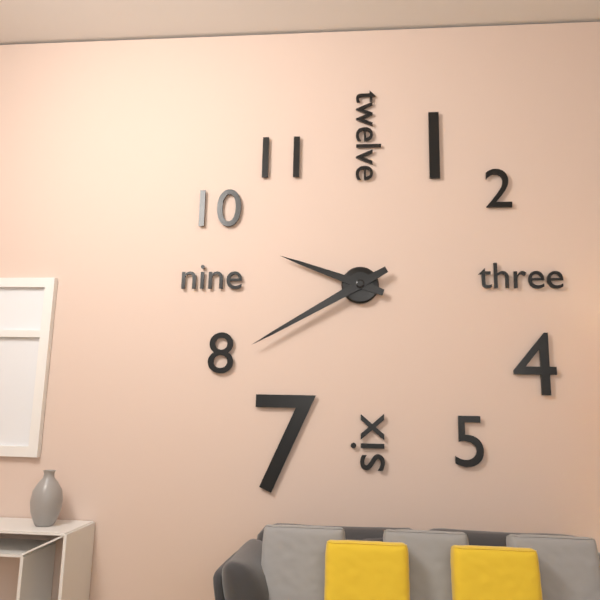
h=9 m=40
